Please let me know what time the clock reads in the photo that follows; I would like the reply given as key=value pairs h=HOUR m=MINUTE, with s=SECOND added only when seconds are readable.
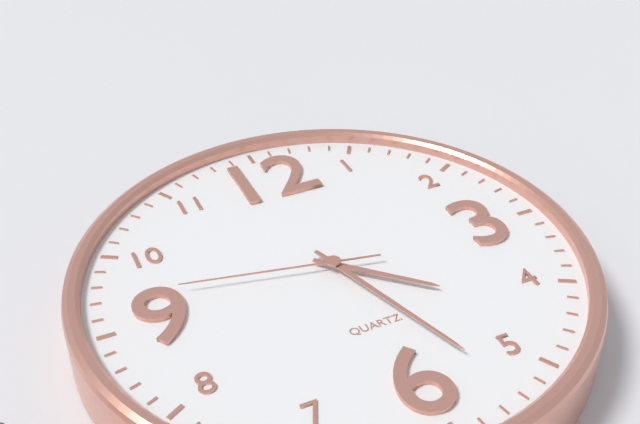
h=4 m=27 s=47
